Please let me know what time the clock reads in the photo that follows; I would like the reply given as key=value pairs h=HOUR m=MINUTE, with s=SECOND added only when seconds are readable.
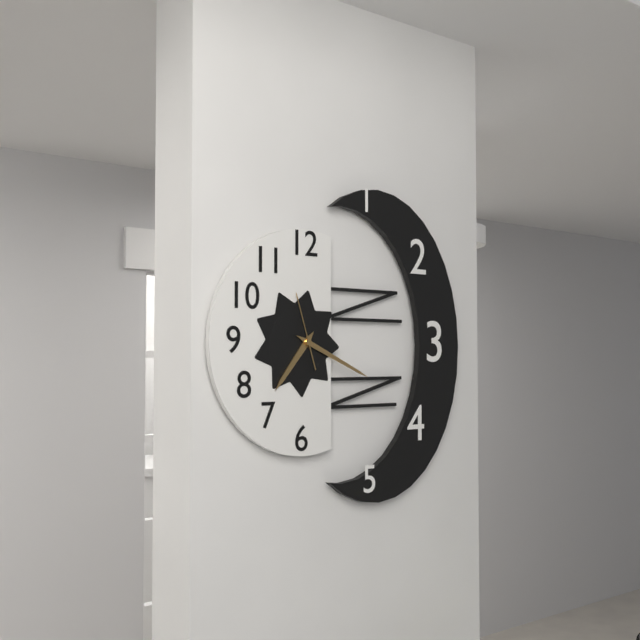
h=7 m=19 s=57
